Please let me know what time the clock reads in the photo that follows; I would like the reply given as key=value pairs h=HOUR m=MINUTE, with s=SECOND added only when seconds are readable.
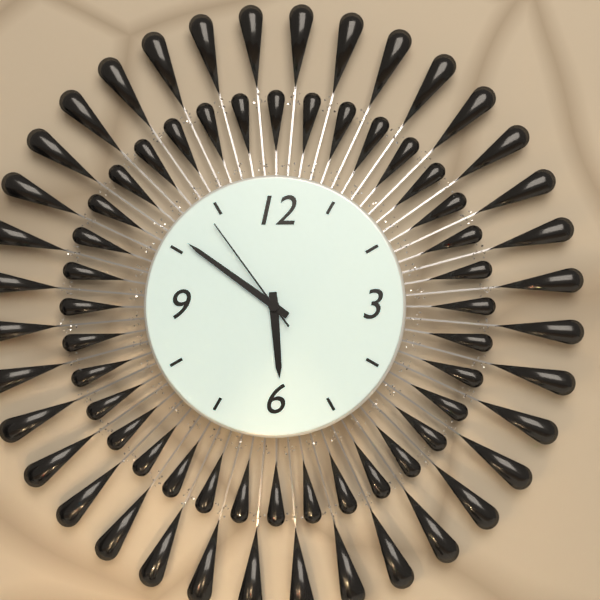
h=5 m=51 s=54
